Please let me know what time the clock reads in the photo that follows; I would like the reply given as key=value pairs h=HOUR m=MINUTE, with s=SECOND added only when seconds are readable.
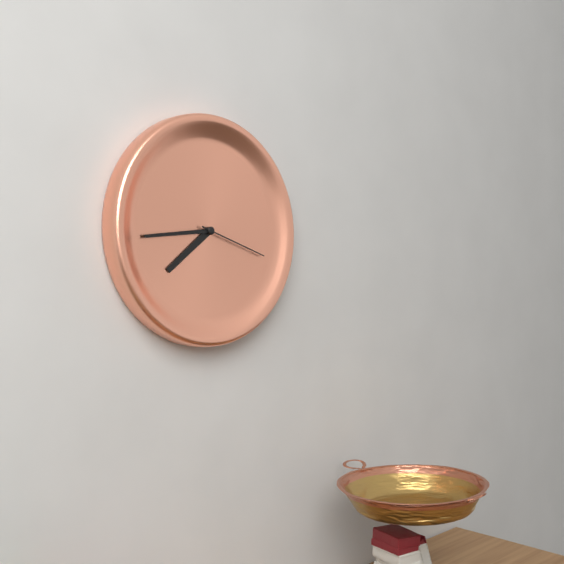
h=7 m=44 s=18
